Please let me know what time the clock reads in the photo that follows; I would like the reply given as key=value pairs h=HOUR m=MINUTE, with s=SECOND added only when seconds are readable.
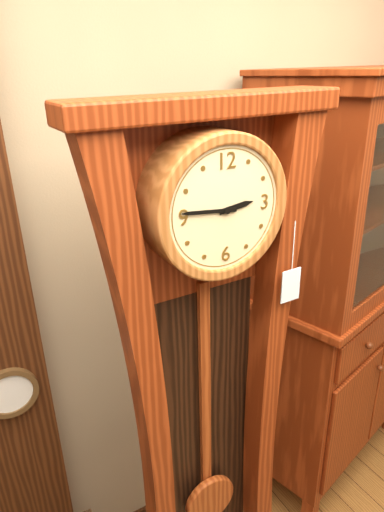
h=2 m=46
